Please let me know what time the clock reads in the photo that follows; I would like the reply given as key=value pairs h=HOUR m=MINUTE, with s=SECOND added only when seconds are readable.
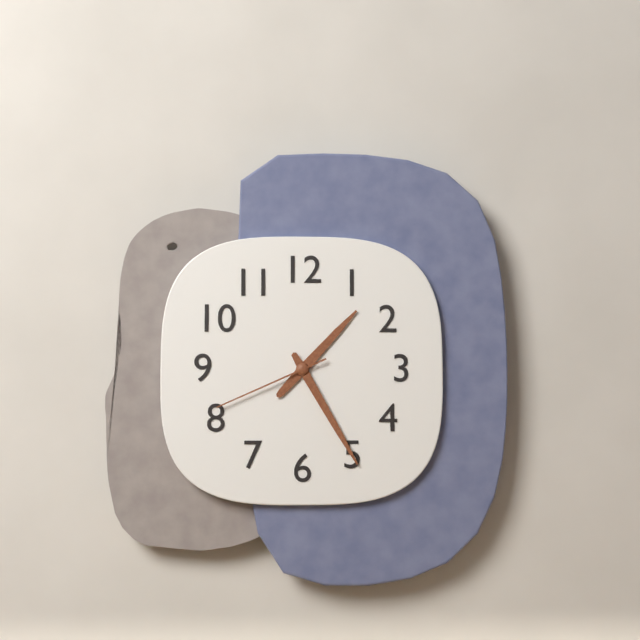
h=1 m=25 s=41
